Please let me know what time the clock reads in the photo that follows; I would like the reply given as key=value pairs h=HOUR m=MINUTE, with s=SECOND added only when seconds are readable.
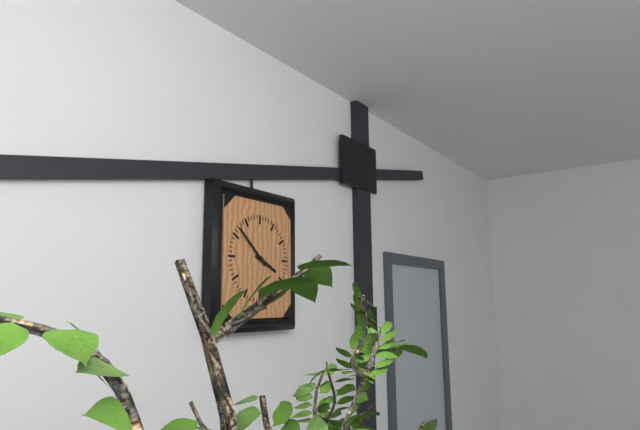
h=3 m=52
